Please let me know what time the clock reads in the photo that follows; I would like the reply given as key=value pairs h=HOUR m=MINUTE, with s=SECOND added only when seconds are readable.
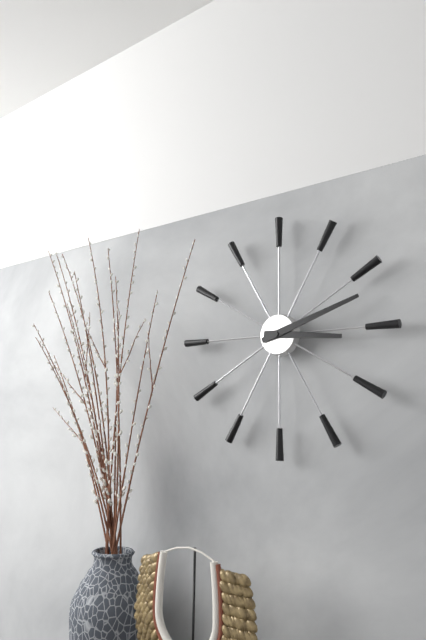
h=3 m=12
